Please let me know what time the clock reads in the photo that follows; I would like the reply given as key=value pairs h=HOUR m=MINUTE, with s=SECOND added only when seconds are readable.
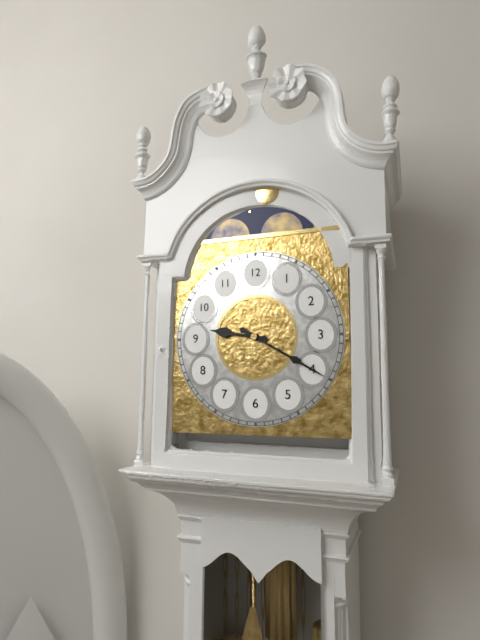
h=9 m=20
